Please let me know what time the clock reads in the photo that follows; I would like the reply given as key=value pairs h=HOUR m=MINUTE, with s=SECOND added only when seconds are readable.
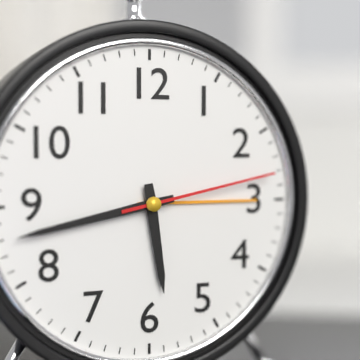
h=5 m=43 s=13
